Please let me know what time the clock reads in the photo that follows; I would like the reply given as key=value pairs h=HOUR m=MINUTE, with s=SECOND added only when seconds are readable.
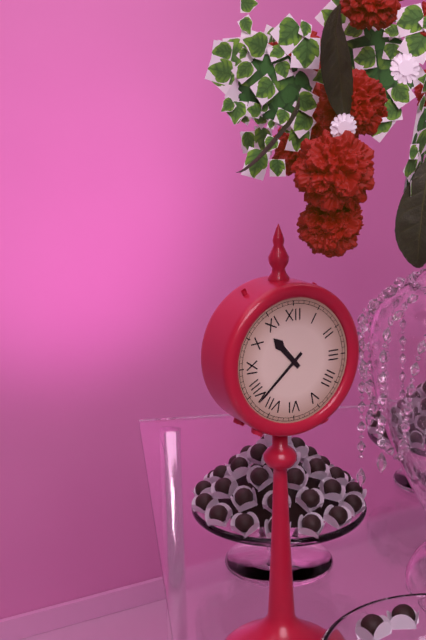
h=10 m=38
